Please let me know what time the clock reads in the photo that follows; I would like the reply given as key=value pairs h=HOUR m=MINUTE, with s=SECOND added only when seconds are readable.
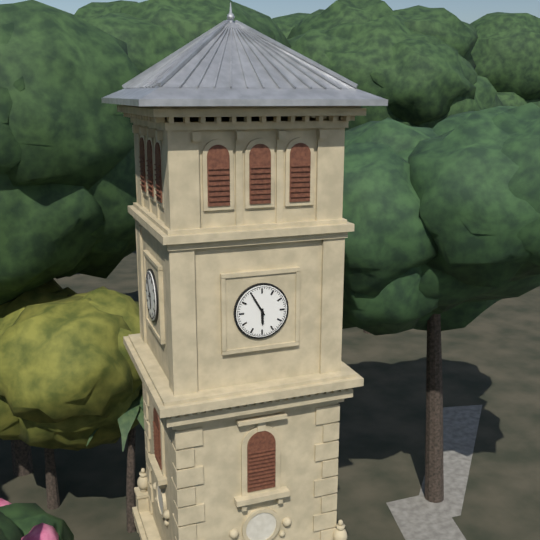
h=5 m=55
